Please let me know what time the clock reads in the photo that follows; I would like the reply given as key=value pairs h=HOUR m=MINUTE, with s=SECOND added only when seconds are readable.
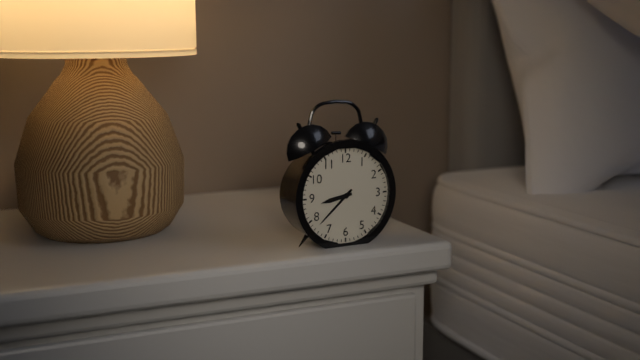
h=8 m=38
